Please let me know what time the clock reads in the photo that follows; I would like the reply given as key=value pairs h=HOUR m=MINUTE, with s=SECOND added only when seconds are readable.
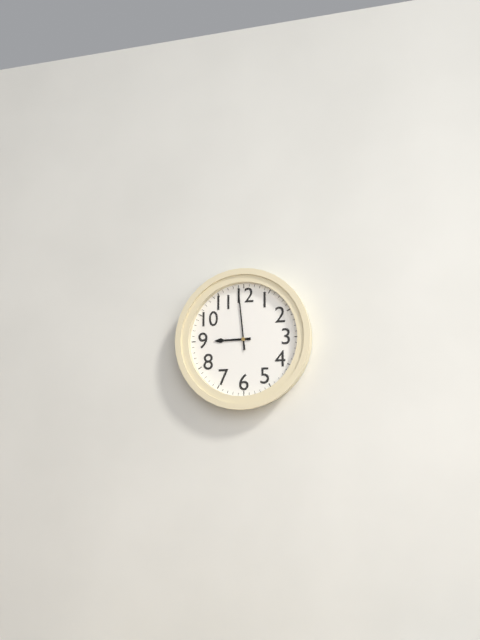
h=8 m=59
